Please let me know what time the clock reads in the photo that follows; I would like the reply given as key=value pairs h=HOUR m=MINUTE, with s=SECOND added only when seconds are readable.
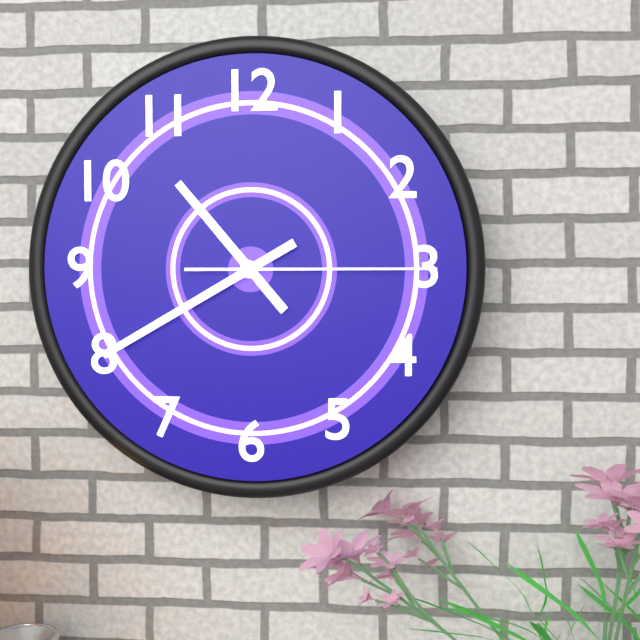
h=10 m=40 s=15
